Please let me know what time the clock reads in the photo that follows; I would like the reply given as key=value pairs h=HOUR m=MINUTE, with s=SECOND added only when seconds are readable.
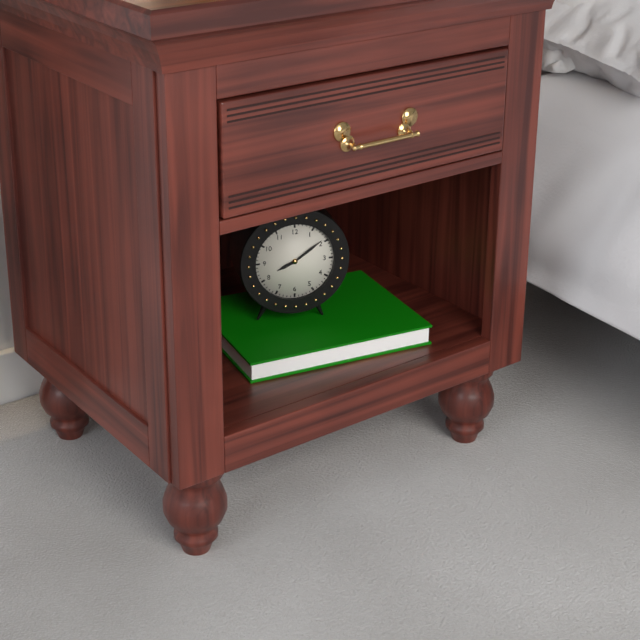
h=8 m=9
